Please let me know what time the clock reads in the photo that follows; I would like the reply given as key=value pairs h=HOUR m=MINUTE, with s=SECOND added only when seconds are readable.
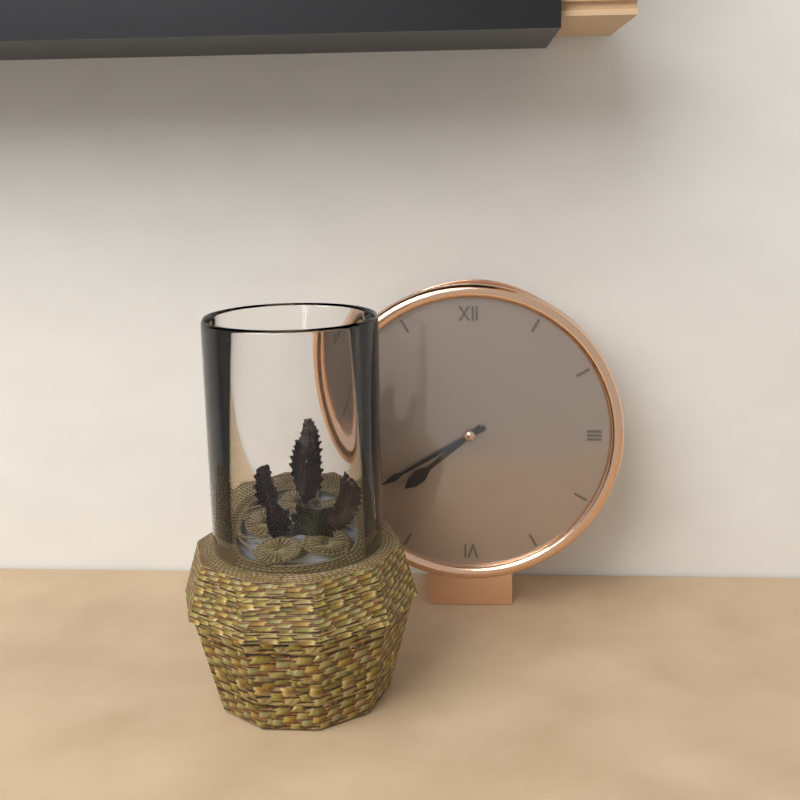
h=7 m=40
